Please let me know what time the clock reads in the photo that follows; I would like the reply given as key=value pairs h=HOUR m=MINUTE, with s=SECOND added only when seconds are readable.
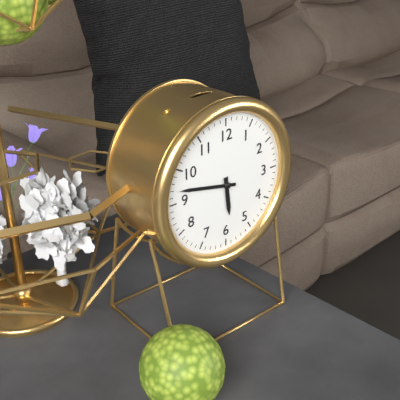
h=5 m=47
